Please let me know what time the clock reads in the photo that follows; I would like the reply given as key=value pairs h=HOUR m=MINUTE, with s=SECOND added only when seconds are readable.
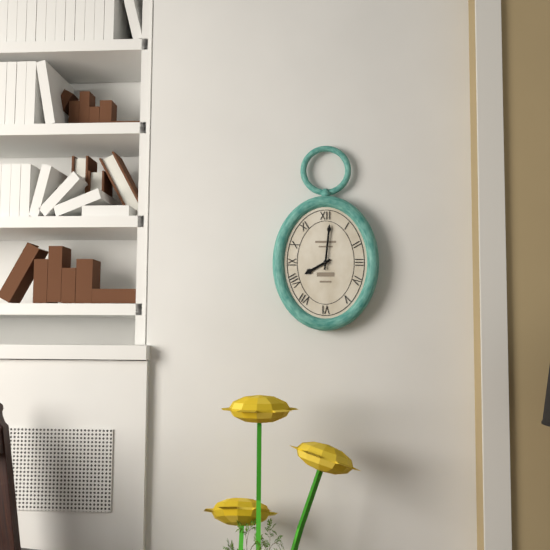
h=8 m=1
